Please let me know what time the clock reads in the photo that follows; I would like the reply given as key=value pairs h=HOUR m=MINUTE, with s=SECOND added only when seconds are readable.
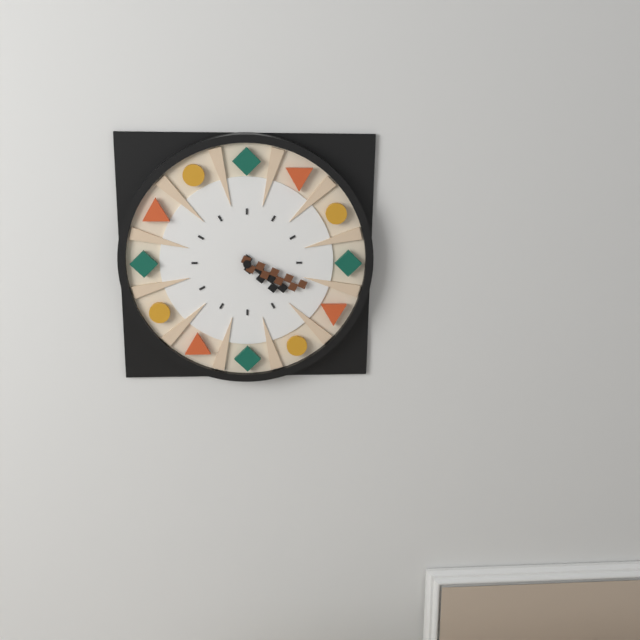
h=4 m=19
